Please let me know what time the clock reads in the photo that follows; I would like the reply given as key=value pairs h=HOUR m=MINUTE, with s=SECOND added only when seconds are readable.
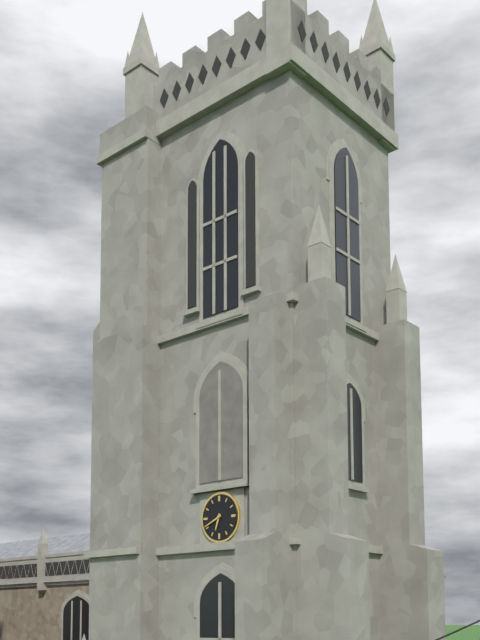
h=6 m=41
